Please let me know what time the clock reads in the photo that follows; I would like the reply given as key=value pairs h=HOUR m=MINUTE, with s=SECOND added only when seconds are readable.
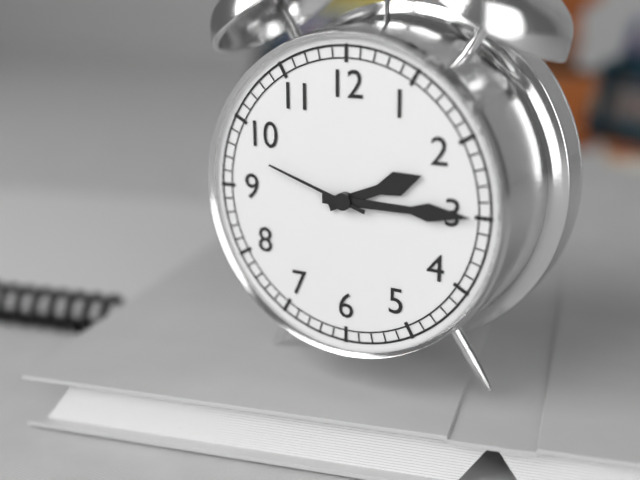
h=2 m=15 s=48
